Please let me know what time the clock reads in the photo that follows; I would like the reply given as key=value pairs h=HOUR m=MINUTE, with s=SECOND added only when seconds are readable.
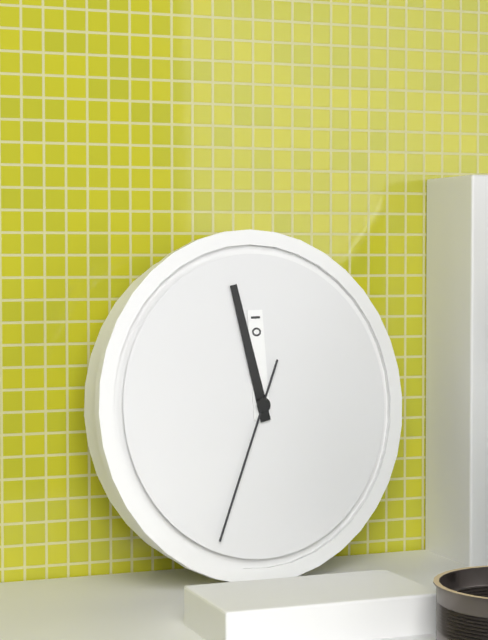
h=11 m=58 s=34
